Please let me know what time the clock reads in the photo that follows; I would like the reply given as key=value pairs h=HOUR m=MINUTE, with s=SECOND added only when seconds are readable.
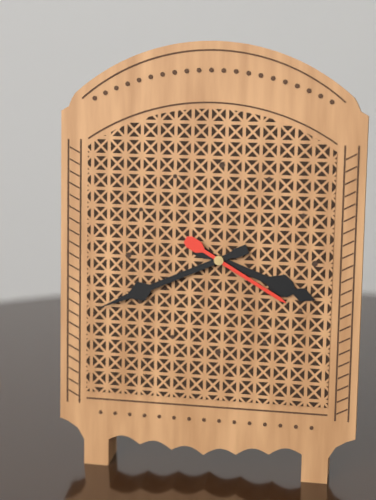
h=3 m=41 s=20
